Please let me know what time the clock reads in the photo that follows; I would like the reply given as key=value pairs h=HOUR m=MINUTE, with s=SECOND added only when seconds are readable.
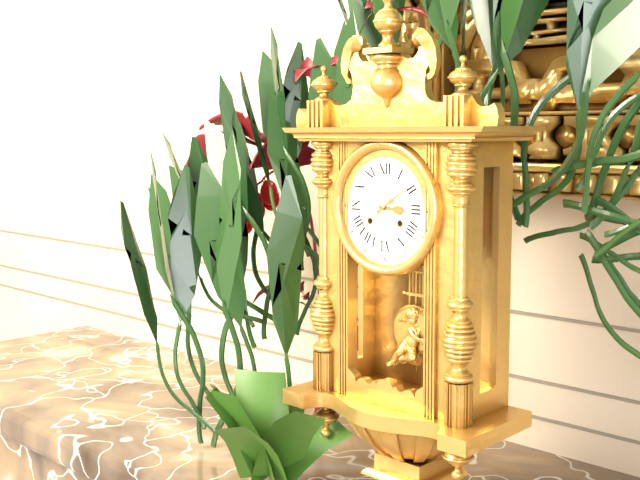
h=3 m=9
